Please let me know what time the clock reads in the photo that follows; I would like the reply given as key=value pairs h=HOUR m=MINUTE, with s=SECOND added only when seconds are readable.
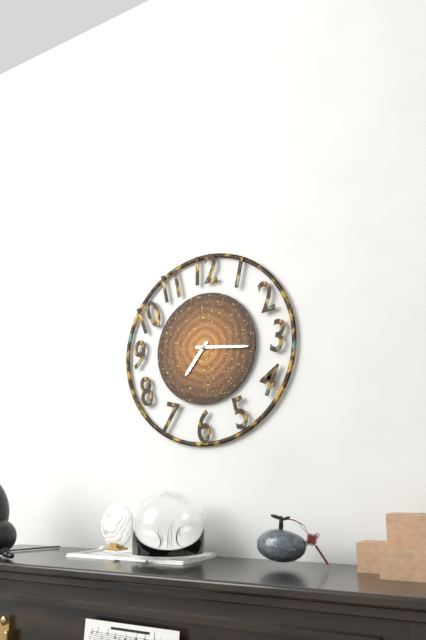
h=7 m=16
